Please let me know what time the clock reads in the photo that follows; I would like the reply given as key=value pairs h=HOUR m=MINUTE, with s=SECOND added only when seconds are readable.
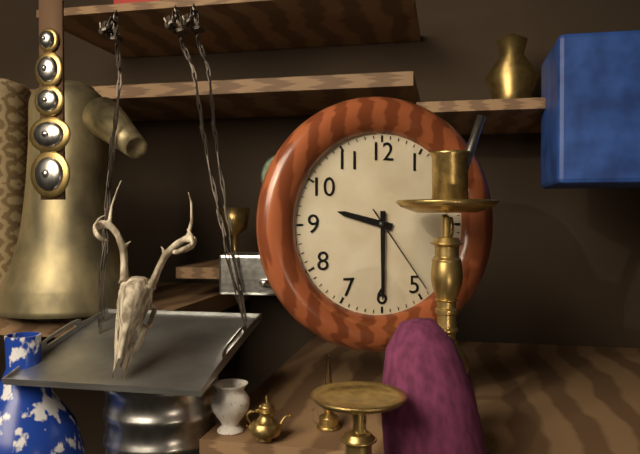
h=9 m=30 s=24
